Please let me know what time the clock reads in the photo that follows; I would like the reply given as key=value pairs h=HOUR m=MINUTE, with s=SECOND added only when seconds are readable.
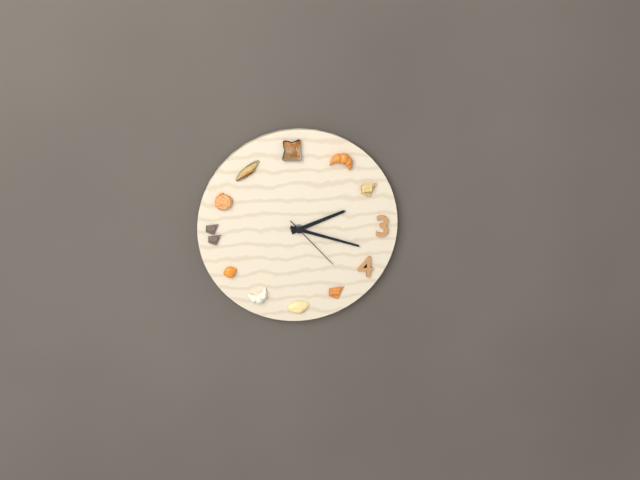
h=2 m=18 s=23
